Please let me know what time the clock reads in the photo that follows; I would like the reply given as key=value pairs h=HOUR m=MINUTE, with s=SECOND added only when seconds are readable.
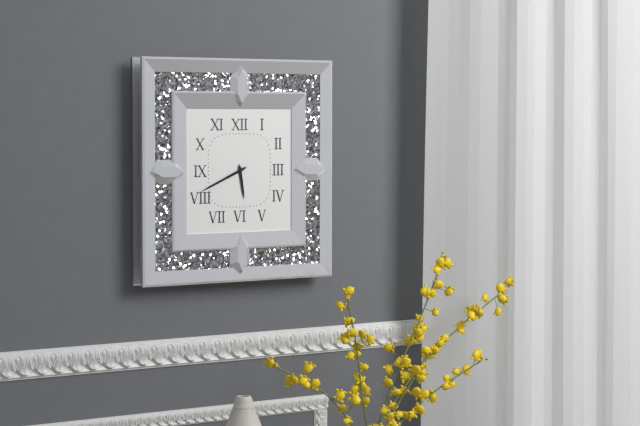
h=5 m=41
